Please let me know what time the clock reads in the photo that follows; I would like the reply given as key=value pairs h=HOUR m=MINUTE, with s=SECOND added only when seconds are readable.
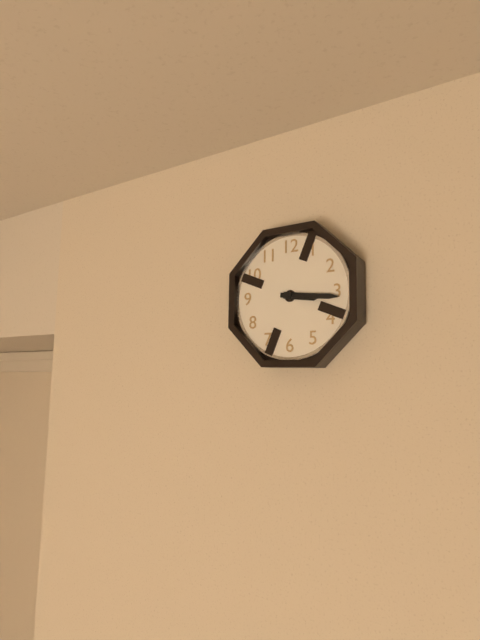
h=3 m=16
